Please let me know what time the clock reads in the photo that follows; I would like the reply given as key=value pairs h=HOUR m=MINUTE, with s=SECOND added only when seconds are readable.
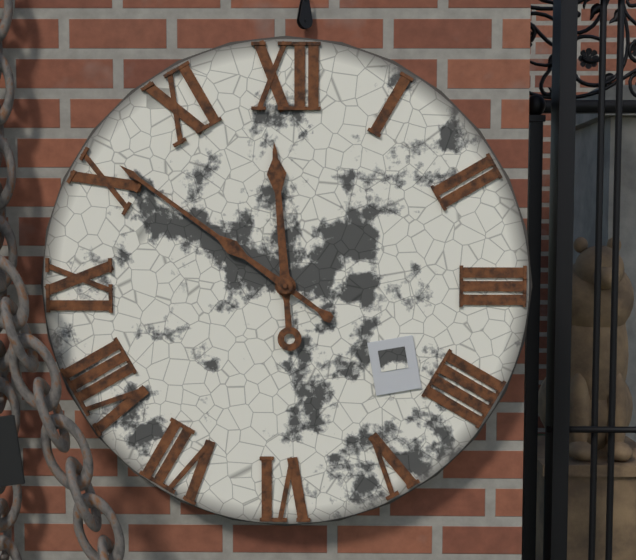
h=11 m=51
